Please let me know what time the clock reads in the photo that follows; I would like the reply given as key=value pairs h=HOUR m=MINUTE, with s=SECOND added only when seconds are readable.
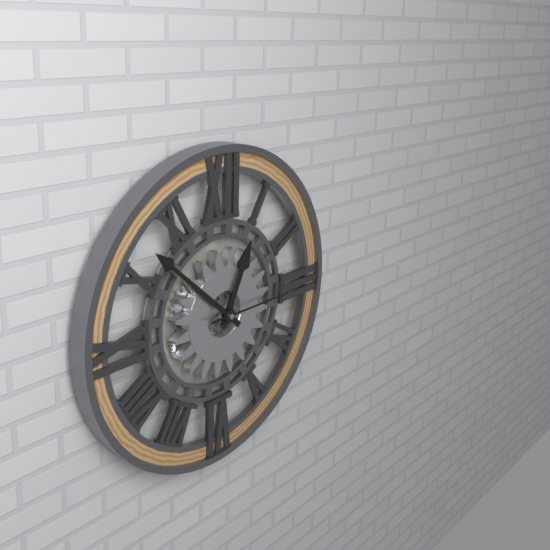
h=12 m=52 s=15
